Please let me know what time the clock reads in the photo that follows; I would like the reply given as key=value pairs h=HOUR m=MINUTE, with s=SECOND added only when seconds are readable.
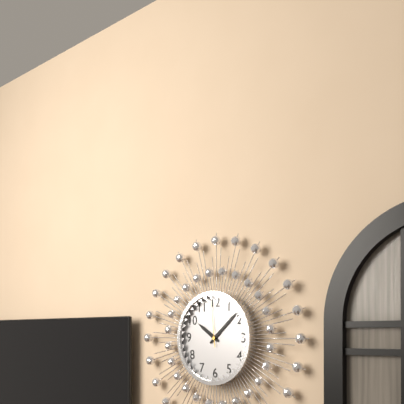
h=10 m=8
